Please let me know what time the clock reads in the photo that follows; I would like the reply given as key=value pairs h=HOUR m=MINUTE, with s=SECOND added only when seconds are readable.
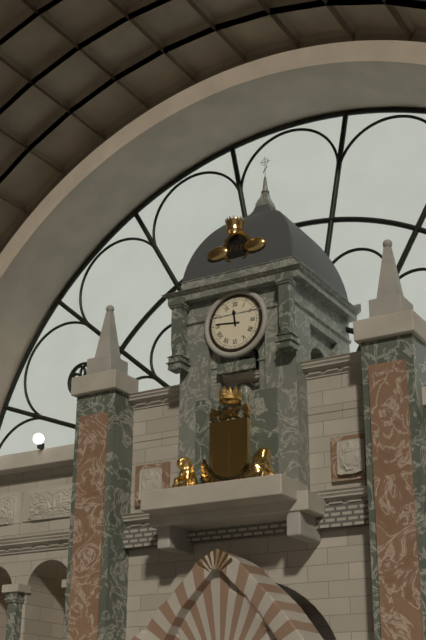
h=11 m=46
